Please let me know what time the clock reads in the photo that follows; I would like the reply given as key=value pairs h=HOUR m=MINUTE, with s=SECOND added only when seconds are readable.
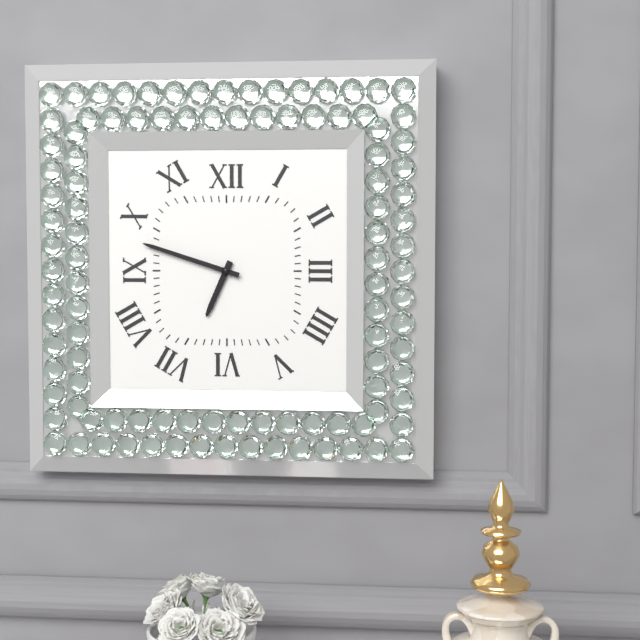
h=6 m=48
